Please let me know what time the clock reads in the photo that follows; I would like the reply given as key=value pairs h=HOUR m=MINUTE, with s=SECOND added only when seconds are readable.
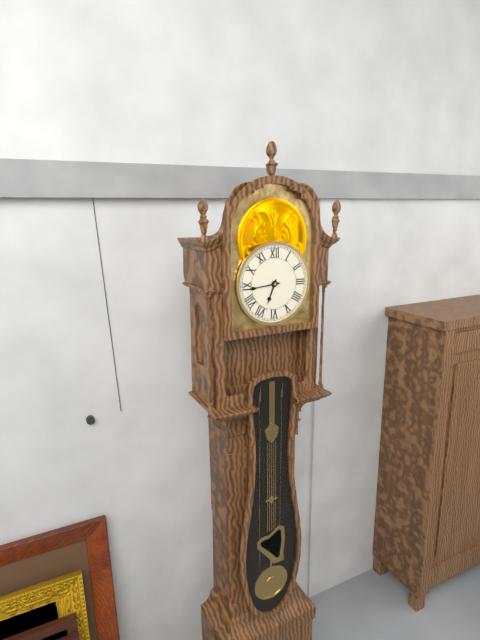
h=6 m=44
